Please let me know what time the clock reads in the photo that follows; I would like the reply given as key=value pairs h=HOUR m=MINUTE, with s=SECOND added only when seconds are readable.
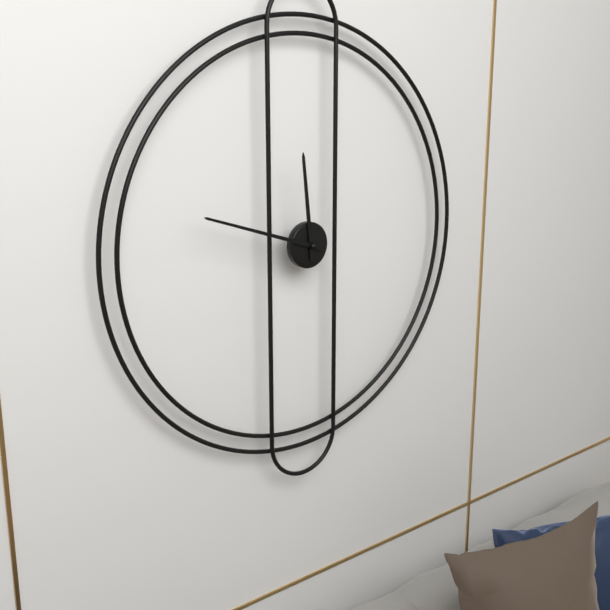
h=11 m=48
